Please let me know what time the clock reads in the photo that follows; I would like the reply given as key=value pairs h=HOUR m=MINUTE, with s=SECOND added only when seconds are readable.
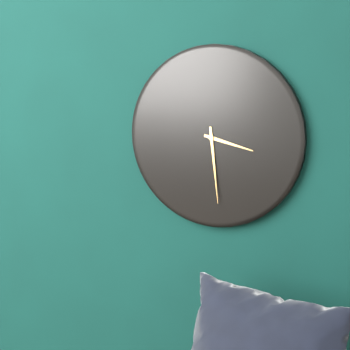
h=3 m=29
